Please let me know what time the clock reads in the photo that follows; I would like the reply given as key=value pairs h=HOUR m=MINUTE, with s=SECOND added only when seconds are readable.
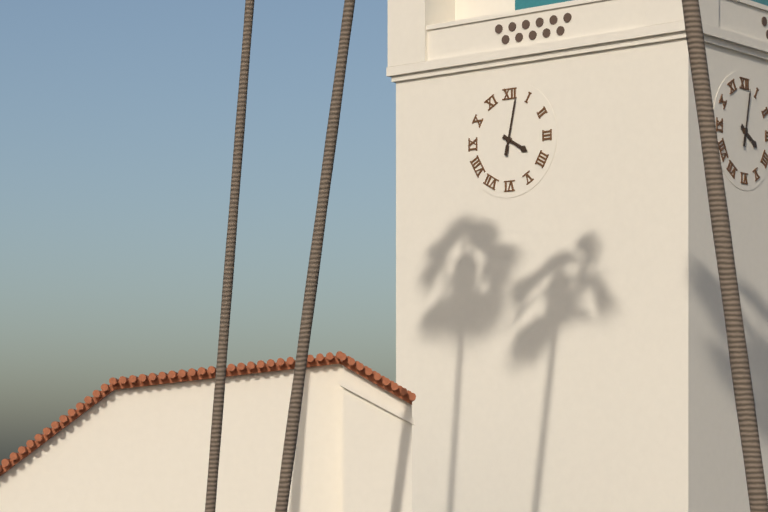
h=4 m=2
